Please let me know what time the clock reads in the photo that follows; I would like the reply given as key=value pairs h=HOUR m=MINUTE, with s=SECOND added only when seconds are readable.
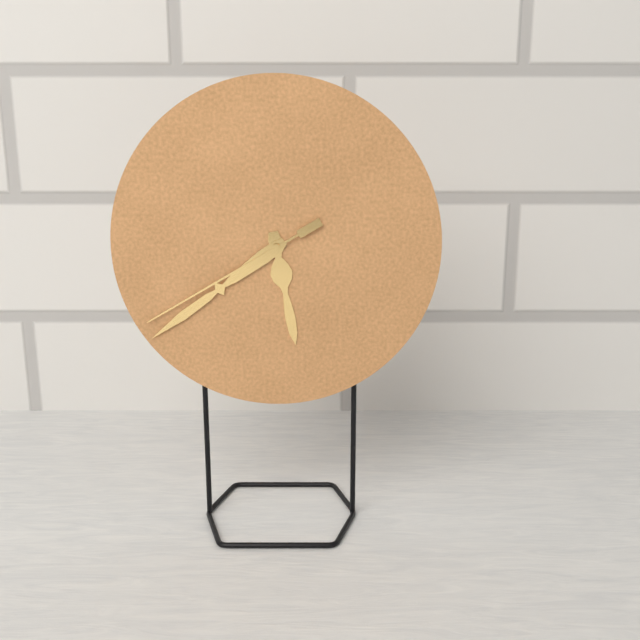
h=5 m=39 s=40
